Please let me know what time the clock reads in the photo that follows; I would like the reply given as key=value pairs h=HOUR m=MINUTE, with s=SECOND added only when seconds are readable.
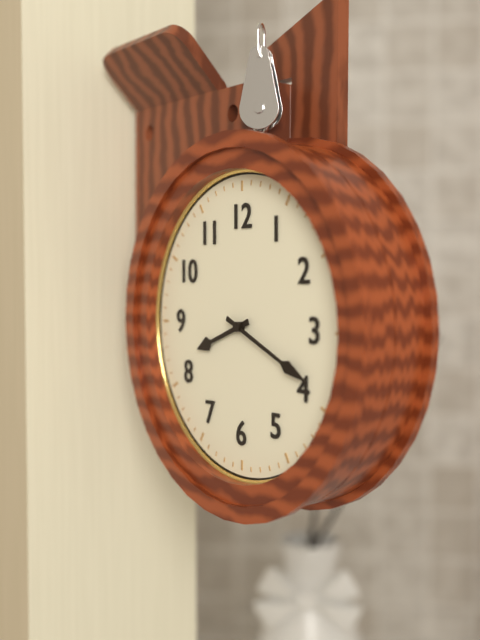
h=8 m=19
